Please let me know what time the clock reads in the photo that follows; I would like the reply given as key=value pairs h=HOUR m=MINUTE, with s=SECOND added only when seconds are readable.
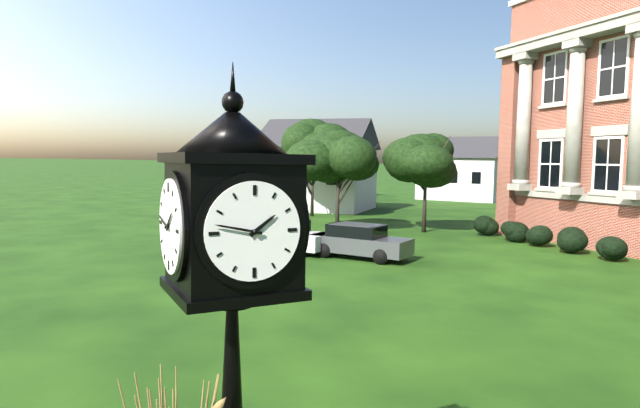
h=1 m=47
